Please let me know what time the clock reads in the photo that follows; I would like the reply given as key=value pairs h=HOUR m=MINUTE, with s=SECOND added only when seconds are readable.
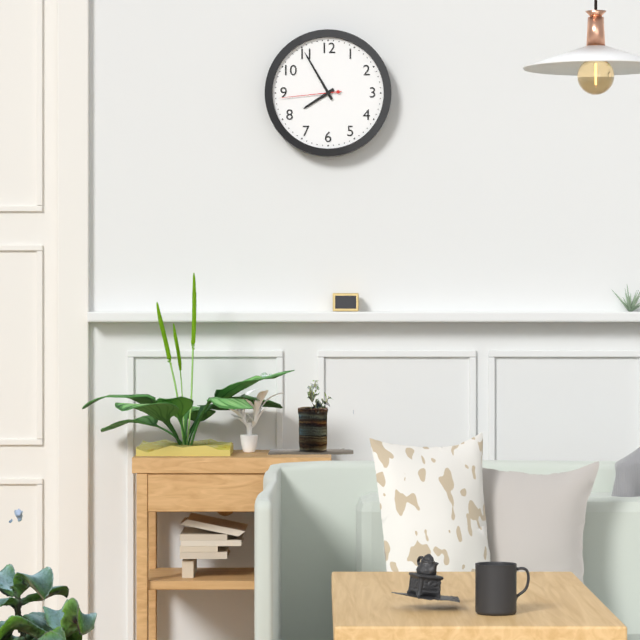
h=7 m=55 s=44
